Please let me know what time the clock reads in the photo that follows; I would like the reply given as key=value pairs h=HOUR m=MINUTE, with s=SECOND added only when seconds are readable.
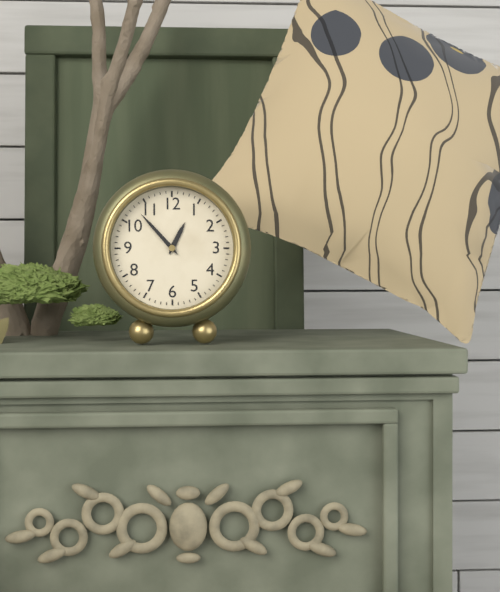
h=12 m=53
